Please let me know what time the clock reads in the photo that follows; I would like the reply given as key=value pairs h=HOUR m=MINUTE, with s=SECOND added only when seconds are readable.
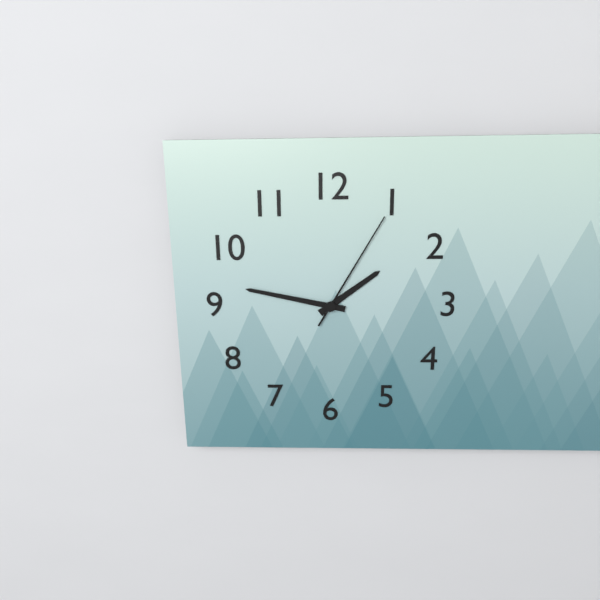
h=1 m=47 s=5
